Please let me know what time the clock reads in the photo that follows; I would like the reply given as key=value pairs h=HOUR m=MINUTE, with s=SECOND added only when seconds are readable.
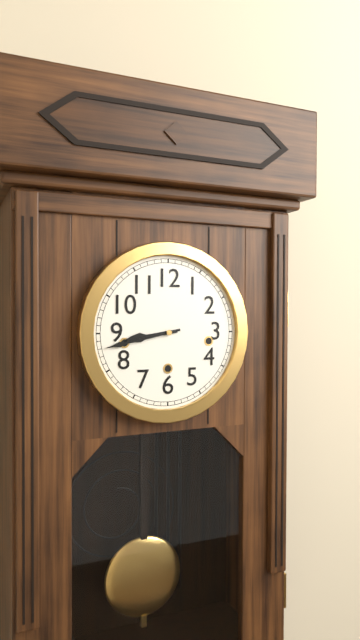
h=8 m=43
